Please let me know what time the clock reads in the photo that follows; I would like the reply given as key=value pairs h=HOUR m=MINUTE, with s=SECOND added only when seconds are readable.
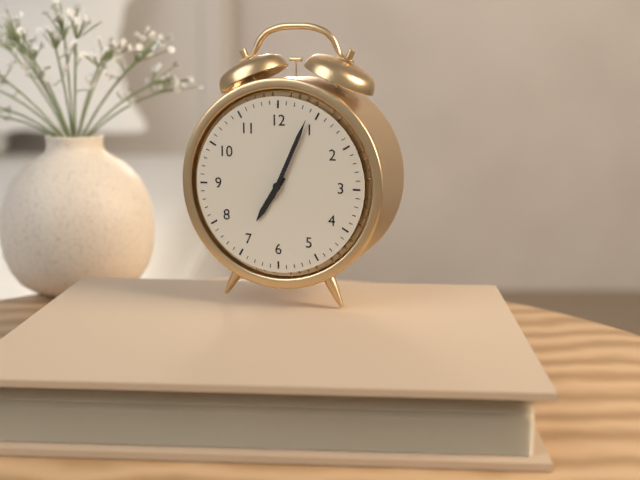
h=7 m=4
